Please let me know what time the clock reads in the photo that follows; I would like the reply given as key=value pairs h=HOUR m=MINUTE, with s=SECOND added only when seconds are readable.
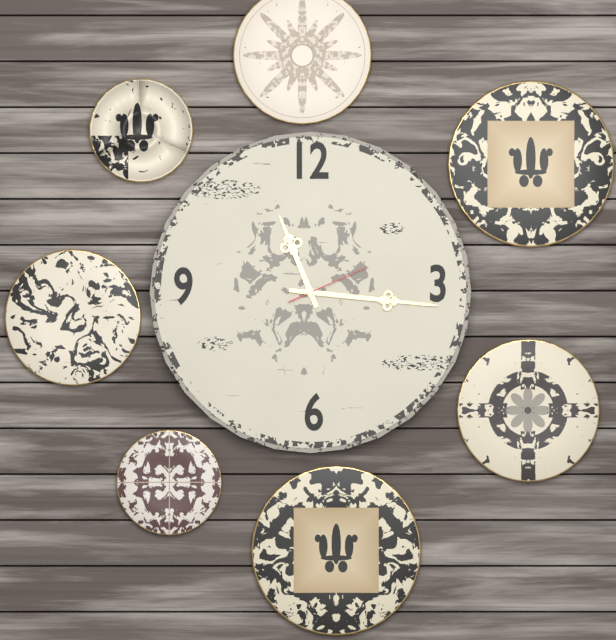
h=11 m=16 s=11
